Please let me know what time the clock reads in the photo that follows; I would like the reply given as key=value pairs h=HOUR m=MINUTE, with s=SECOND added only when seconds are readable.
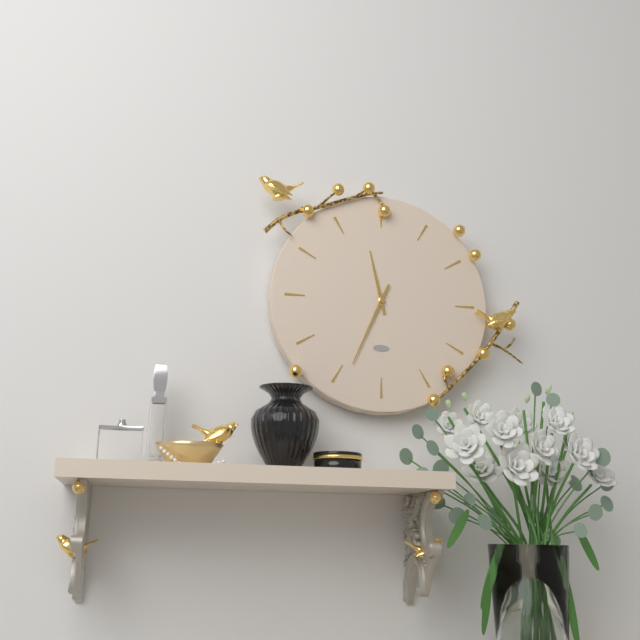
h=11 m=34
